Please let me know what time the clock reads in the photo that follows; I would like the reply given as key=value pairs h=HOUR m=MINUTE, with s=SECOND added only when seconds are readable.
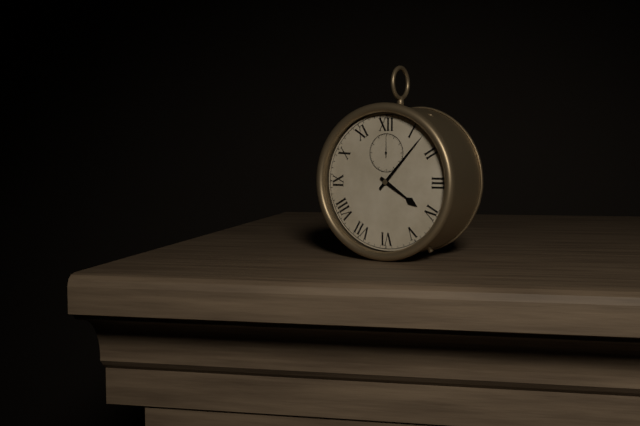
h=4 m=7
